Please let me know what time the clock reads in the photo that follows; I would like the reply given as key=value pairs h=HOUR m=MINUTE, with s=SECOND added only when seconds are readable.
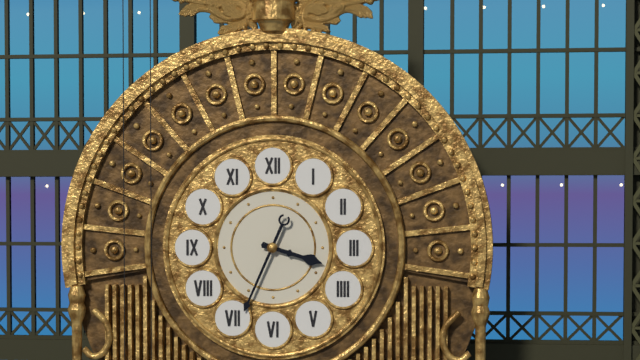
h=3 m=34
